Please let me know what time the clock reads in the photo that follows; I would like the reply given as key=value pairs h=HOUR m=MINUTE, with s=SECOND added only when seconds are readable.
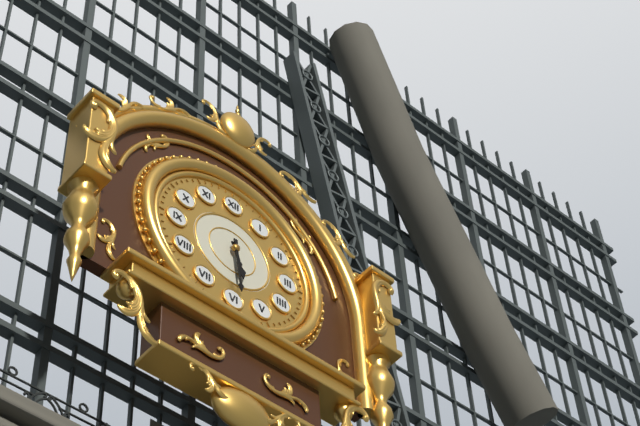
h=5 m=29
